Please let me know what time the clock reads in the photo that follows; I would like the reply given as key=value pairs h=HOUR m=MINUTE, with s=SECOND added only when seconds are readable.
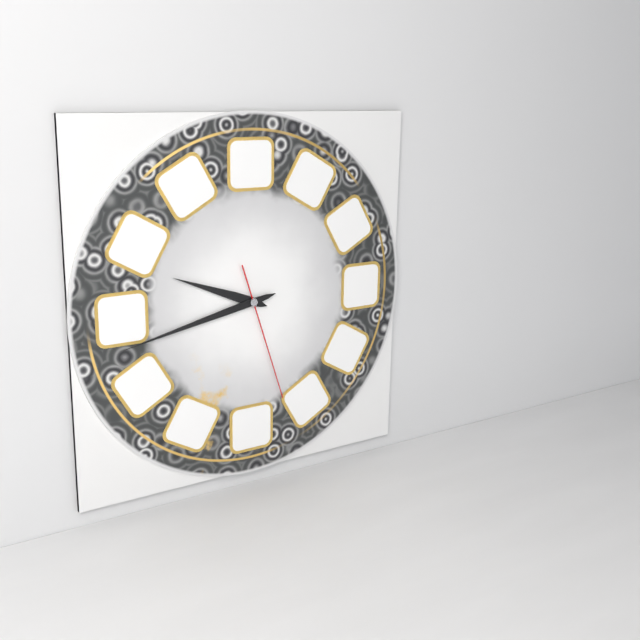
h=9 m=43 s=27
